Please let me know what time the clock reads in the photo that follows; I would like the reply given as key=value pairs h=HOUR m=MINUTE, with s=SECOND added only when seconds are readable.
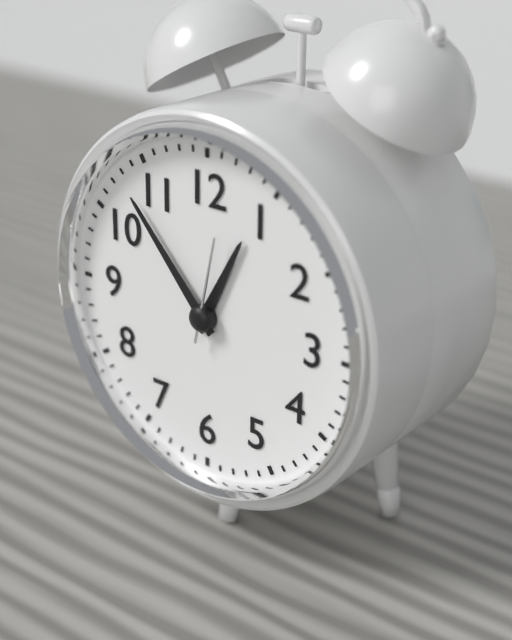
h=12 m=53 s=2
